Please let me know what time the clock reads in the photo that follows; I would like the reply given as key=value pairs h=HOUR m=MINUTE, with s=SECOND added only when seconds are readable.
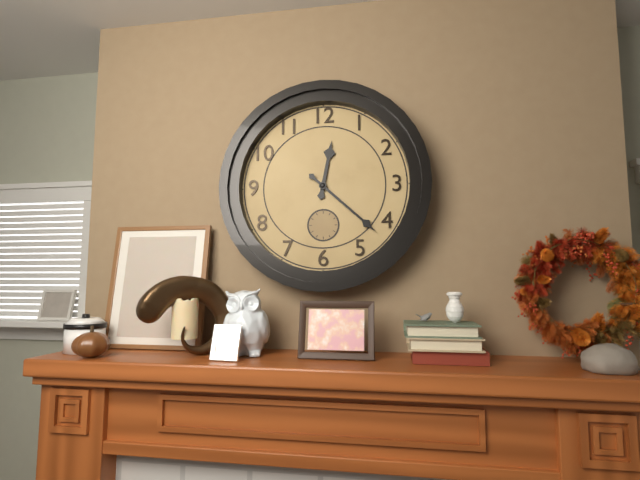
h=12 m=22
